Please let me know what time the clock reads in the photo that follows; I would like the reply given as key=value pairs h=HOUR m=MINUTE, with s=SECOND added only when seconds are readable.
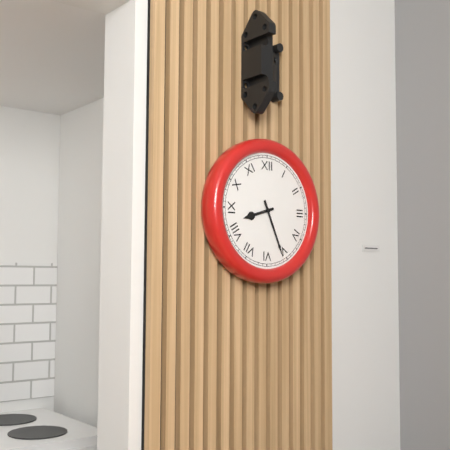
h=8 m=26
